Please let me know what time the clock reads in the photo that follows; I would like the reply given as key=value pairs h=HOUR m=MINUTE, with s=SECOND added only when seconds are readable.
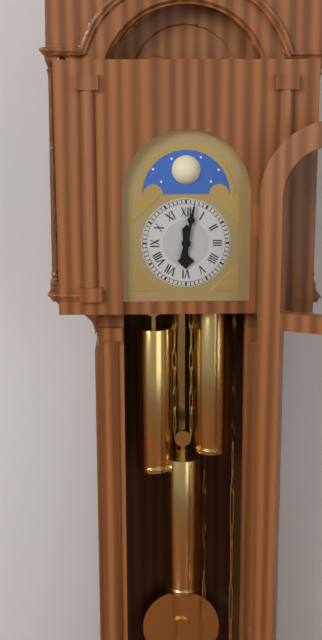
h=6 m=2
